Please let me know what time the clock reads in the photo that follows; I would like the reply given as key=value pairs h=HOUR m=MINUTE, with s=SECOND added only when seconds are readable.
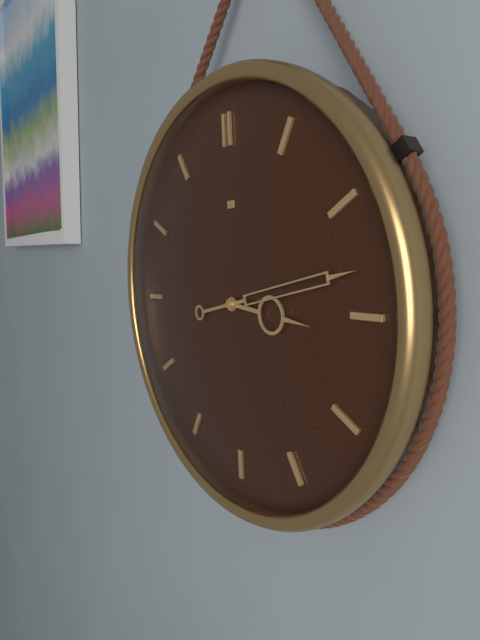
h=3 m=13
